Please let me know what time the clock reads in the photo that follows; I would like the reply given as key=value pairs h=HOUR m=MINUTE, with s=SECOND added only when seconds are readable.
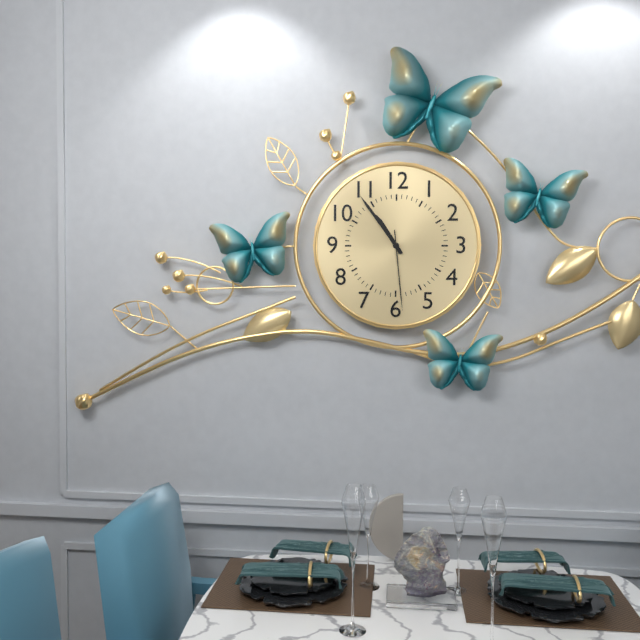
h=10 m=54 s=29
